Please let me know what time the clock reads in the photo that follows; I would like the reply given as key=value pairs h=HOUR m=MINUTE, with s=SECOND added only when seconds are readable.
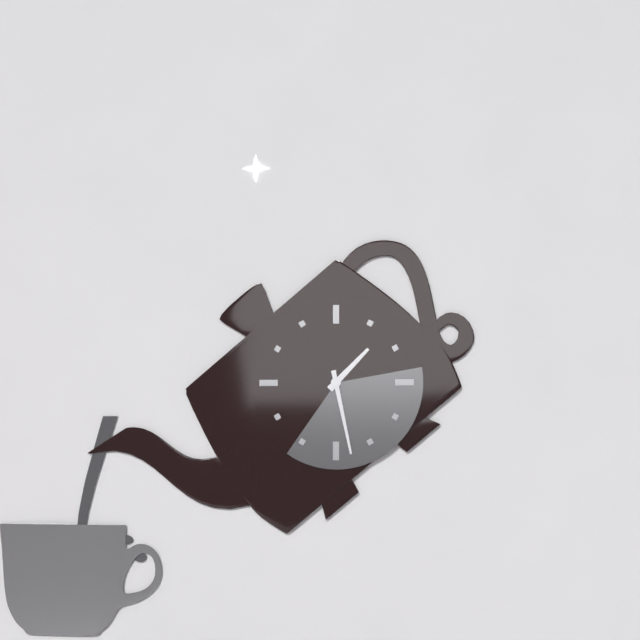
h=1 m=28
